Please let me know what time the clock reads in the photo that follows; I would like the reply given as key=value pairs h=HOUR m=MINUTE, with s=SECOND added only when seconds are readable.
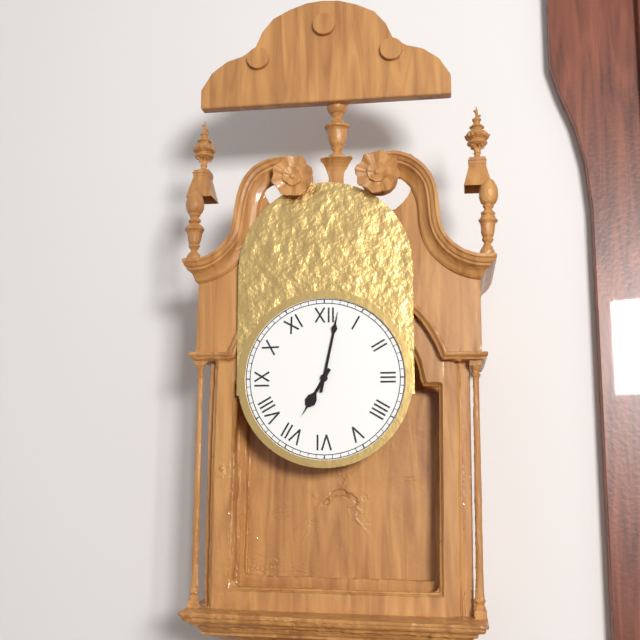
h=7 m=2
